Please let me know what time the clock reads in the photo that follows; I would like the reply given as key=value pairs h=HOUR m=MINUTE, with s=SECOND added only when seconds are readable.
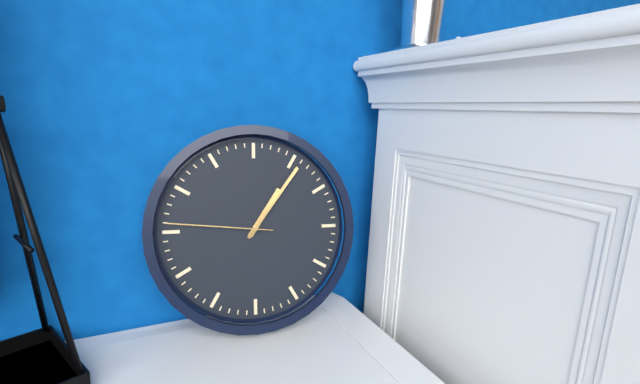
h=1 m=6 s=46
